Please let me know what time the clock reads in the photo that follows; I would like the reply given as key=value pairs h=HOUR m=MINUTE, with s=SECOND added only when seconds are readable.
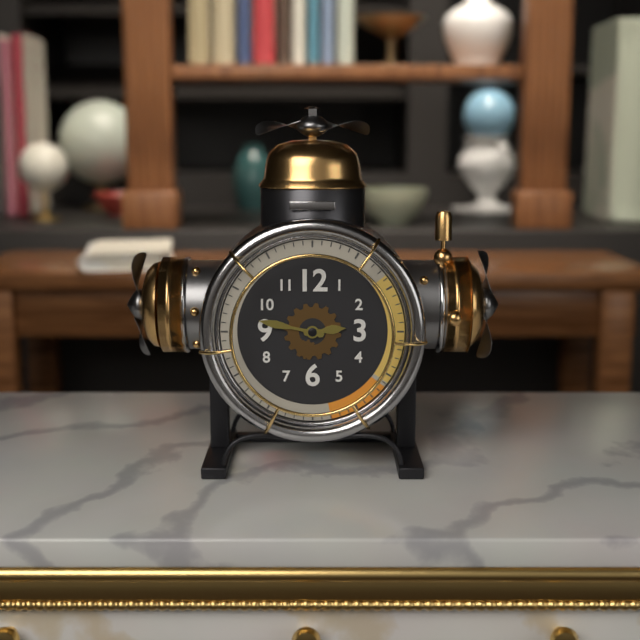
h=2 m=47
